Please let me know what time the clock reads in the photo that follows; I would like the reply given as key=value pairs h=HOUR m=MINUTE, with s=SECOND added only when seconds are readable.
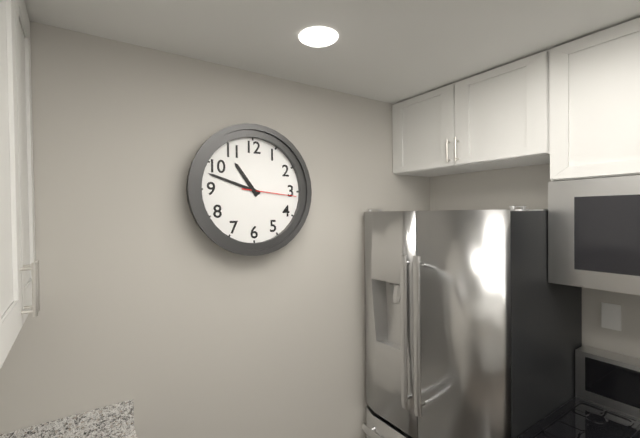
h=10 m=48 s=16
